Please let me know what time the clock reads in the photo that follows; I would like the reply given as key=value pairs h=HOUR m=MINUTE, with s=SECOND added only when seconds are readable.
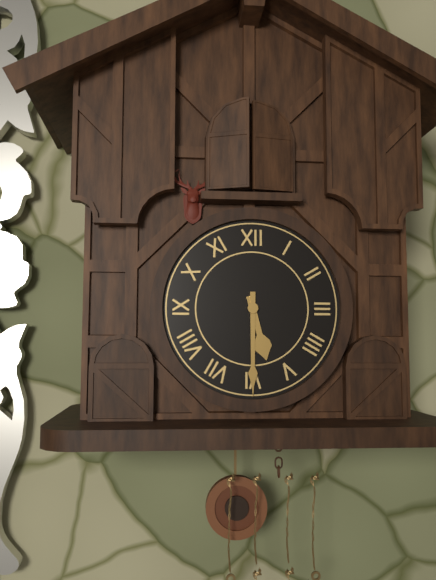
h=5 m=30
